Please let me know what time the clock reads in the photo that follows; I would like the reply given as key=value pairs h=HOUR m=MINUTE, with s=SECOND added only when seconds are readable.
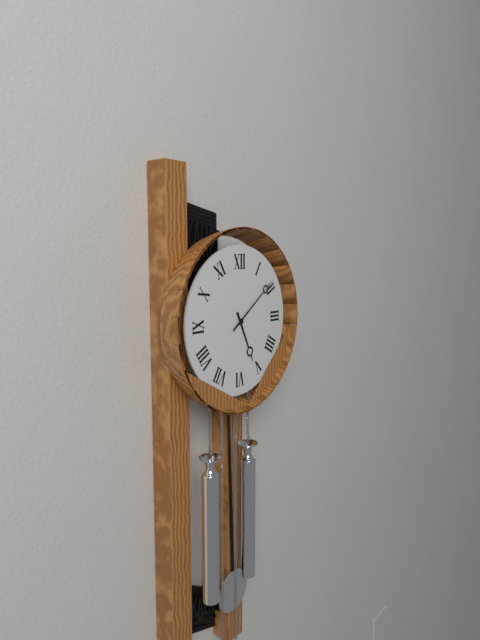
h=5 m=9
